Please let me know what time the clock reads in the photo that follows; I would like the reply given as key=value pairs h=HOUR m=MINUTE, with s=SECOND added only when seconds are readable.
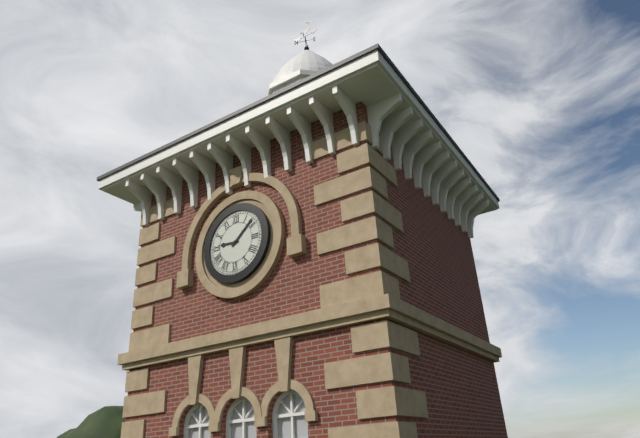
h=9 m=8
